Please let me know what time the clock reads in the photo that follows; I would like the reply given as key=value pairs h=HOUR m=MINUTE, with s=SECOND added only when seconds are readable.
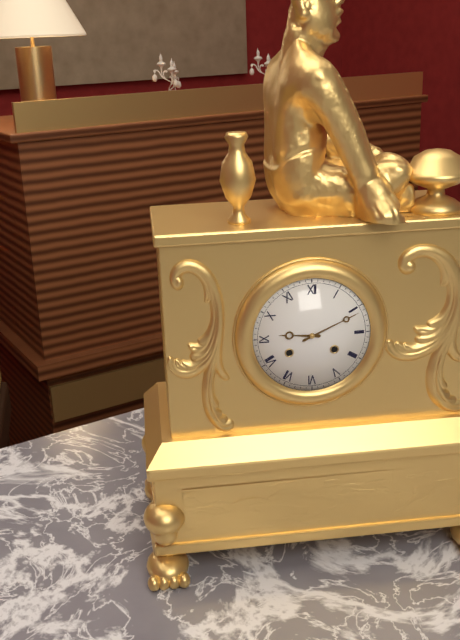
h=9 m=11
